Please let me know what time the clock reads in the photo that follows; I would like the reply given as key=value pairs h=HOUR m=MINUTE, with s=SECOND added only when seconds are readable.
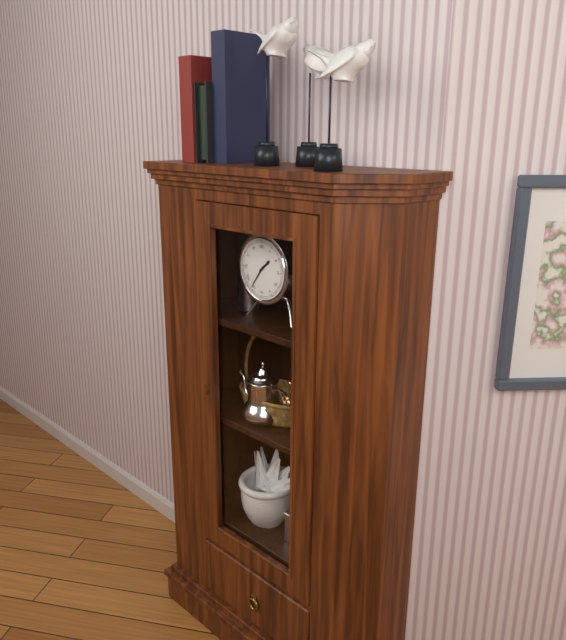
h=1 m=36
